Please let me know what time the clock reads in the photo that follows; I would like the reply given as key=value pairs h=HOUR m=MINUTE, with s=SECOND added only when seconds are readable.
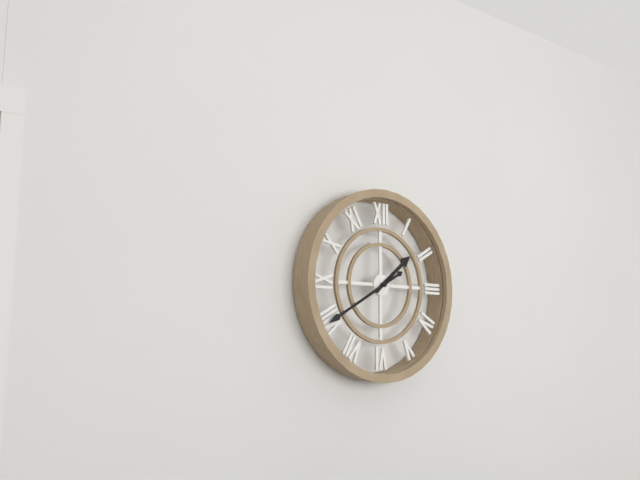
h=1 m=40
